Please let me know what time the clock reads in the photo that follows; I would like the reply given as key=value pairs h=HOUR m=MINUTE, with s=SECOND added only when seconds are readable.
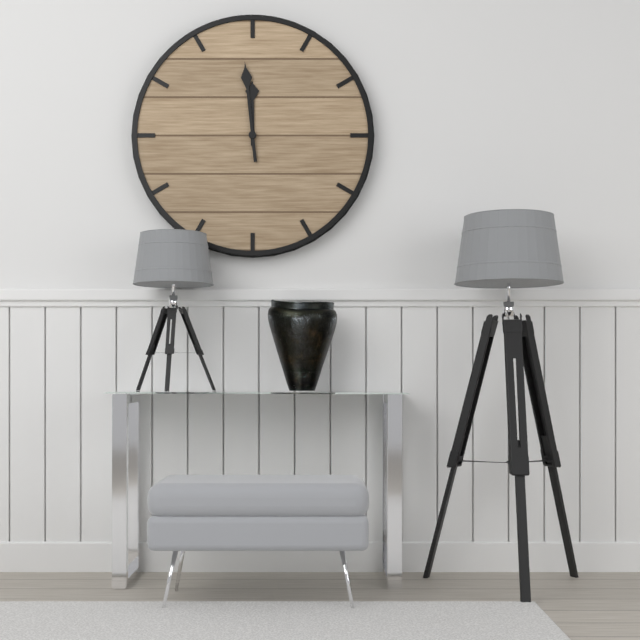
h=11 m=59
